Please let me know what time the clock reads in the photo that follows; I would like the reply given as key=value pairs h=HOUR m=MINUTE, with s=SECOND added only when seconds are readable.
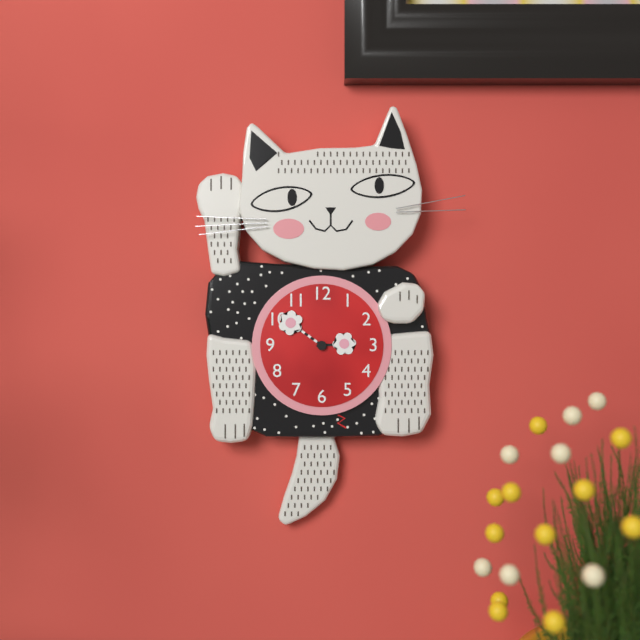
h=2 m=51
